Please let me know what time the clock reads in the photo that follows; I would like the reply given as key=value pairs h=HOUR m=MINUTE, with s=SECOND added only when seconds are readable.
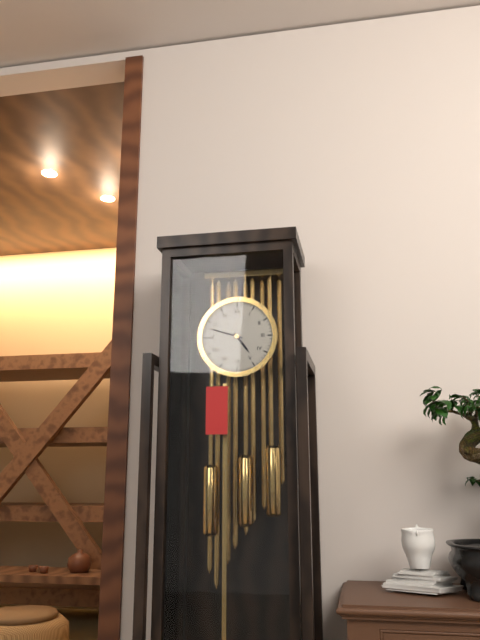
h=4 m=48
